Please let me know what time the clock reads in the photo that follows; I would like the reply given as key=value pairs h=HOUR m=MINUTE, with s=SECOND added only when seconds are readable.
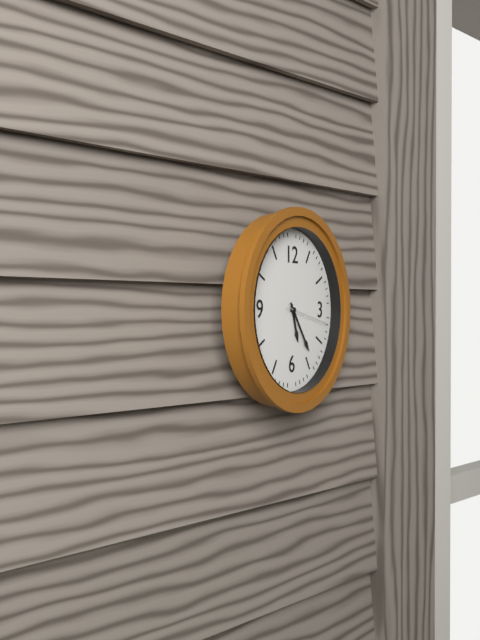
h=5 m=24
